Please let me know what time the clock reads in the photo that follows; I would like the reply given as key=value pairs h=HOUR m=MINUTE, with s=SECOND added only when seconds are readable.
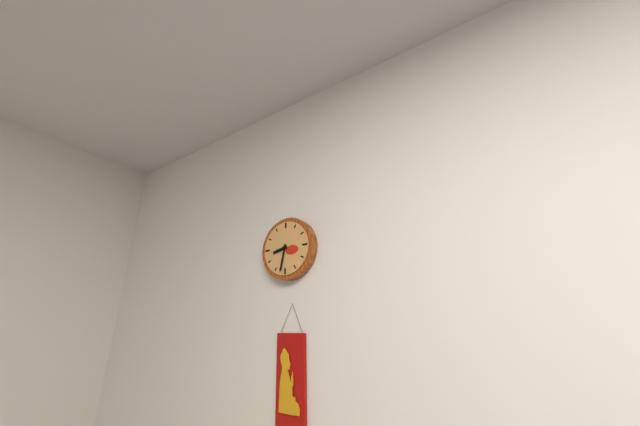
h=8 m=32
